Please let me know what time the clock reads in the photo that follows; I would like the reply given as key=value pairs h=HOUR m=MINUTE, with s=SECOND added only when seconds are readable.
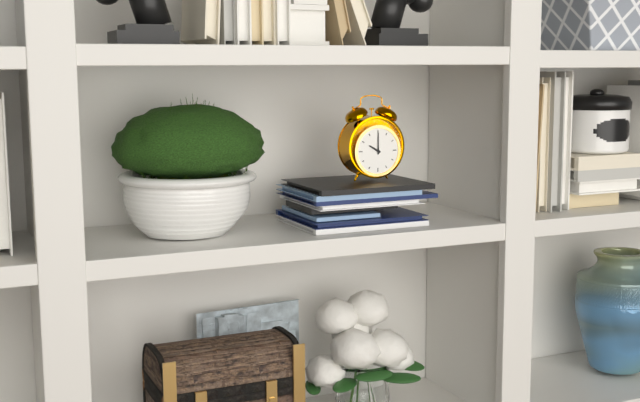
h=10 m=0
